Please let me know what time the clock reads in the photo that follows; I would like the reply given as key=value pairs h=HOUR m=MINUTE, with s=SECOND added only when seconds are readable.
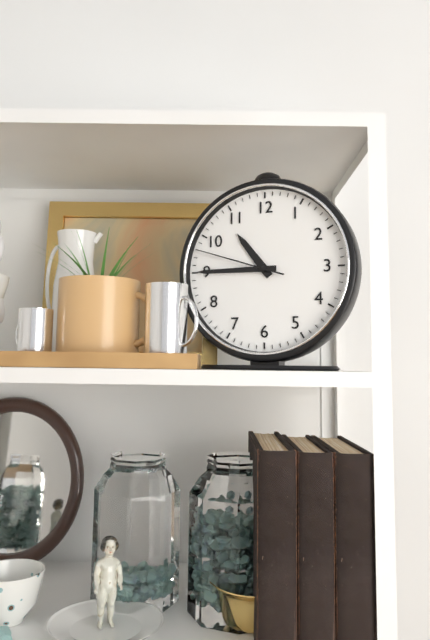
h=10 m=45 s=48
